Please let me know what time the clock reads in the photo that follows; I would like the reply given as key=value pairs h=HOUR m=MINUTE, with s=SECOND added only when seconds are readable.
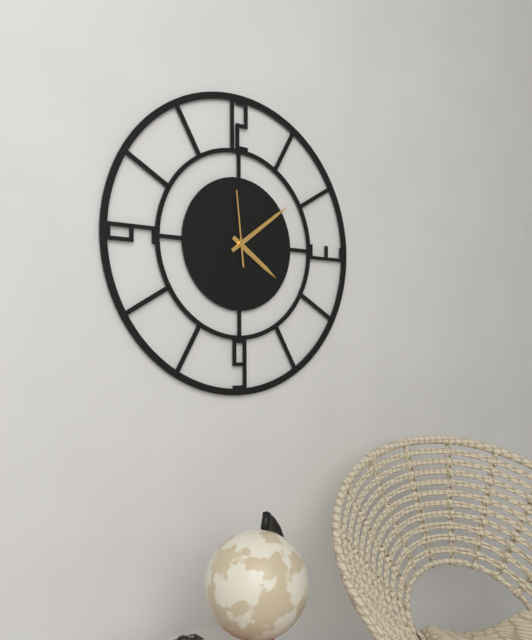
h=4 m=9 s=59
